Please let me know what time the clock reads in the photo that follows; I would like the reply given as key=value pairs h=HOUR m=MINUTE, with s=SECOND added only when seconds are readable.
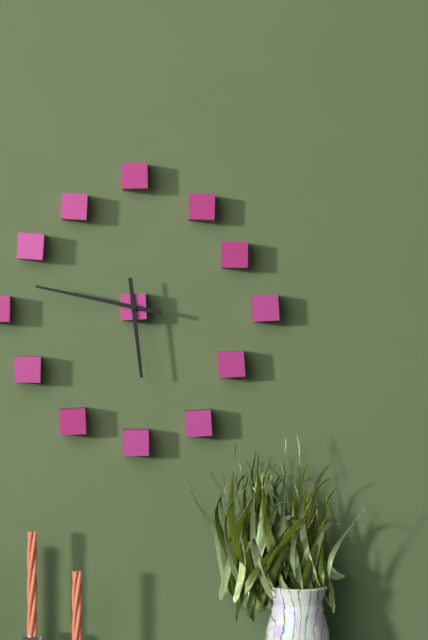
h=5 m=47
